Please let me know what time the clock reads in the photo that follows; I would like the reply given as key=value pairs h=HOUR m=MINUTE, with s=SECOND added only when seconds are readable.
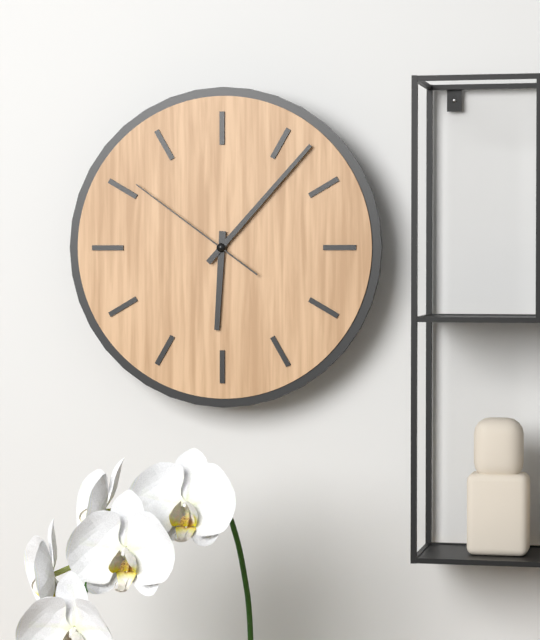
h=6 m=7 s=51
